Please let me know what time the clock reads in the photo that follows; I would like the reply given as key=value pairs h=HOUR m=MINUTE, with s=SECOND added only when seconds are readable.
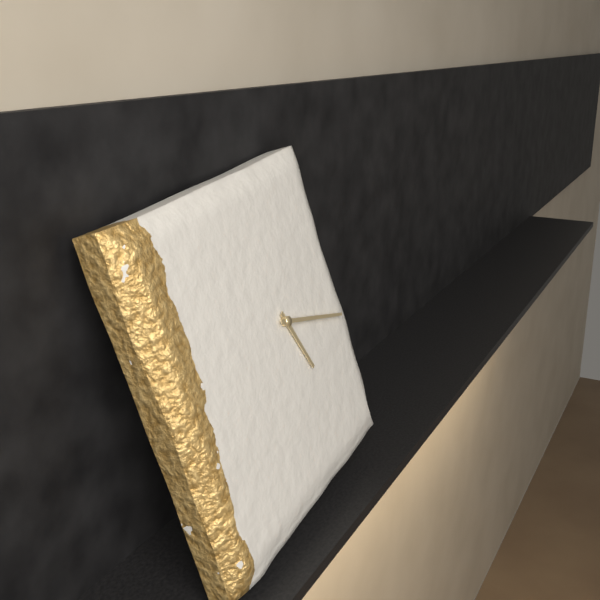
h=5 m=18
